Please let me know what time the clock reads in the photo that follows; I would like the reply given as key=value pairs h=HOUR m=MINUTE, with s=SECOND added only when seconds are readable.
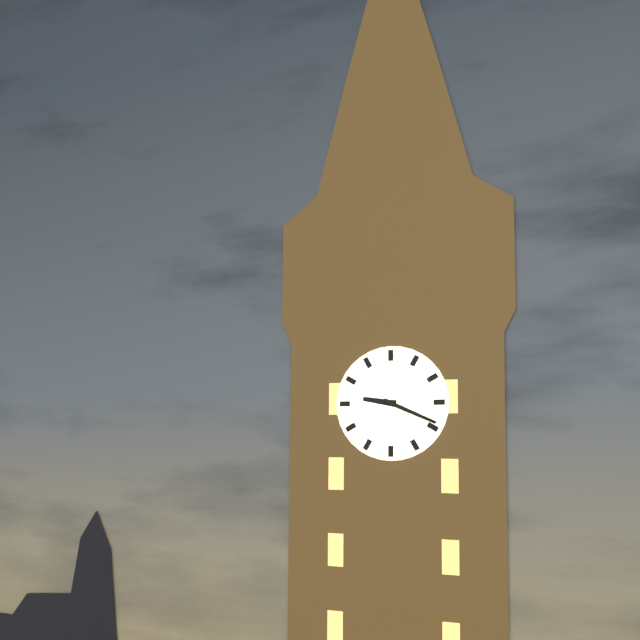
h=9 m=19
